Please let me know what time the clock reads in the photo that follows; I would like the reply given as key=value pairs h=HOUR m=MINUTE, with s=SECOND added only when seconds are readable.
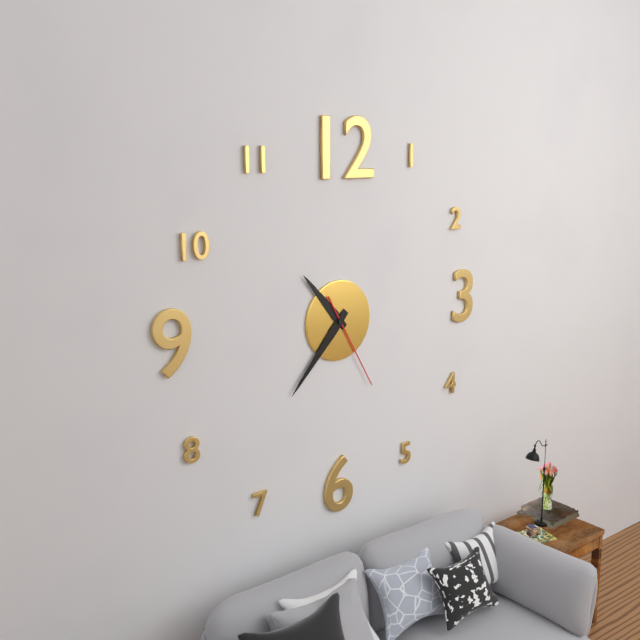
h=10 m=37 s=25
